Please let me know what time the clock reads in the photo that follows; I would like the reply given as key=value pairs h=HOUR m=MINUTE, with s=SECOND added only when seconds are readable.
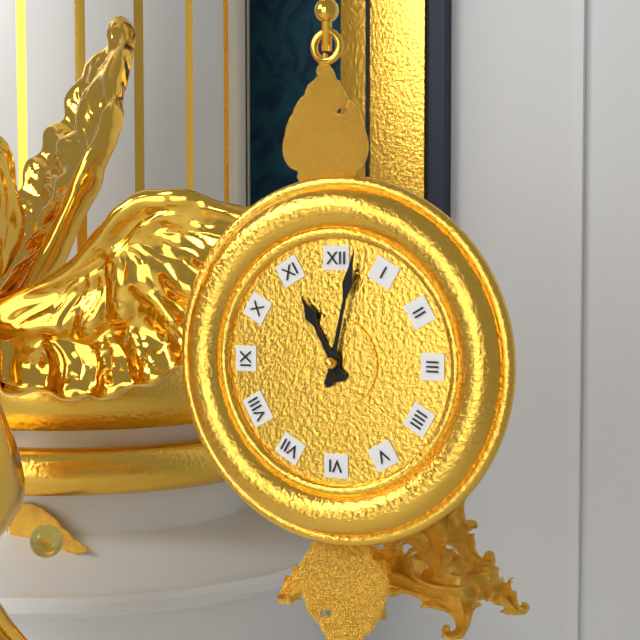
h=11 m=2
